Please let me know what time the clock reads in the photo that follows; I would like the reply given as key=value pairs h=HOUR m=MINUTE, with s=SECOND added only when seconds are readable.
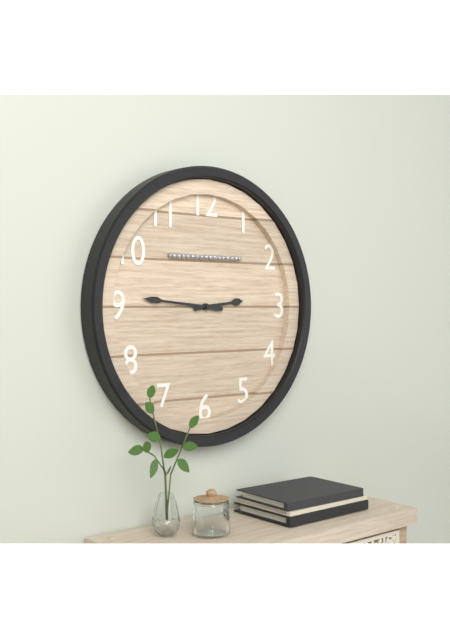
h=2 m=46
